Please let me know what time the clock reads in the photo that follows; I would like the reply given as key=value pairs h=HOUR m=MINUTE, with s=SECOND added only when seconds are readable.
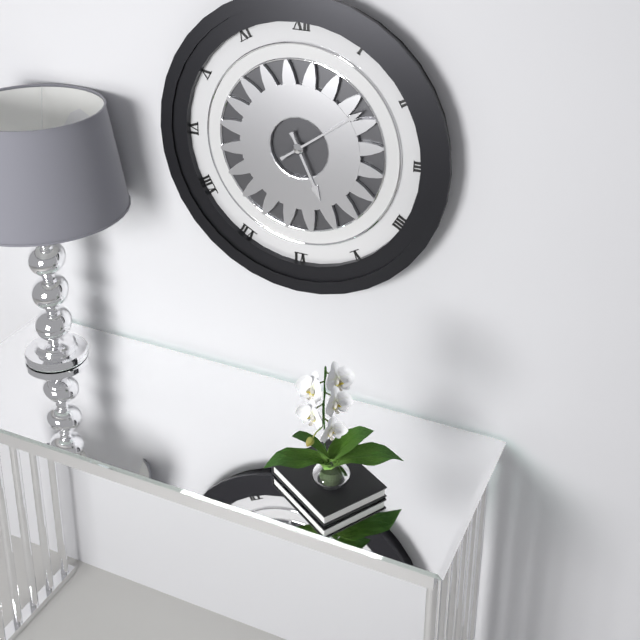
h=5 m=9
